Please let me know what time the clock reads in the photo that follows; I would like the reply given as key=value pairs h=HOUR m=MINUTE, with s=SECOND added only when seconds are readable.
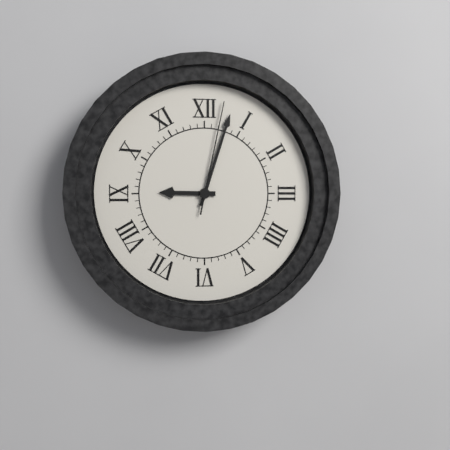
h=9 m=3 s=2
